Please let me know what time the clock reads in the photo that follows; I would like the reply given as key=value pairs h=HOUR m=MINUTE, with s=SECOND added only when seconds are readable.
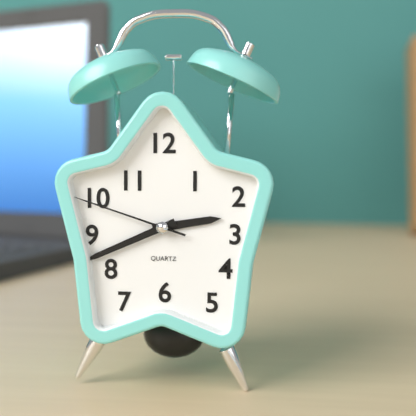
h=2 m=41 s=48
